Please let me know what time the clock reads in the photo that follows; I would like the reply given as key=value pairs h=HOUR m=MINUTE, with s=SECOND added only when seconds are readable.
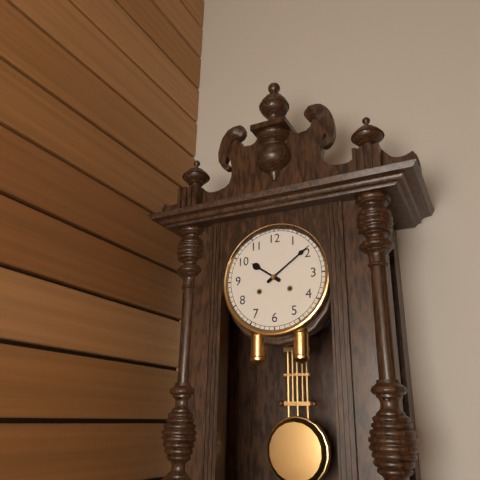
h=10 m=9
